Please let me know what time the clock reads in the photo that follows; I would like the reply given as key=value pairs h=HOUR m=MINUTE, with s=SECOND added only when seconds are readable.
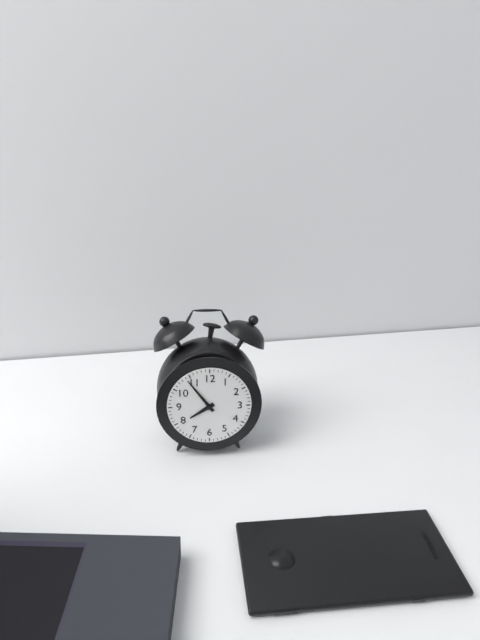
h=7 m=54
